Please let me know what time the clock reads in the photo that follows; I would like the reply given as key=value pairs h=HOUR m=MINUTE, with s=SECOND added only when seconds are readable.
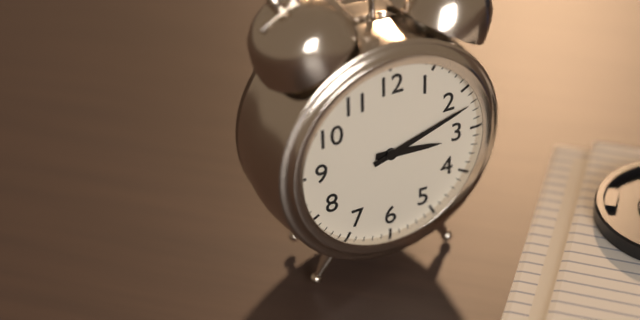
h=3 m=12
